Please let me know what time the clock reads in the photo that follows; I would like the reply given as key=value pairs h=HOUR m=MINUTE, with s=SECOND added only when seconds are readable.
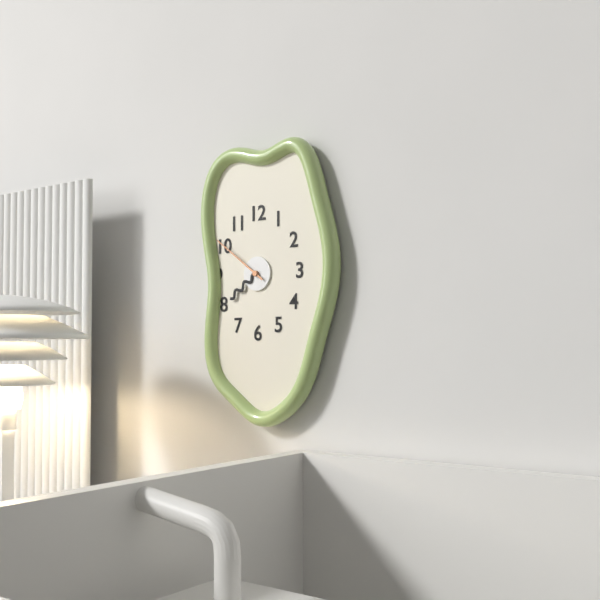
h=7 m=51
